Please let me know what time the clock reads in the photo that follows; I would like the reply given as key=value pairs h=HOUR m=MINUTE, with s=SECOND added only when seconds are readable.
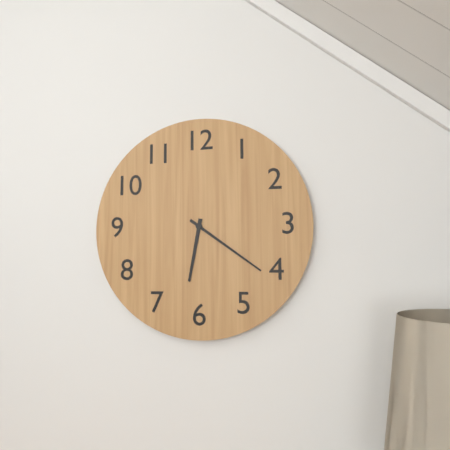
h=6 m=21
